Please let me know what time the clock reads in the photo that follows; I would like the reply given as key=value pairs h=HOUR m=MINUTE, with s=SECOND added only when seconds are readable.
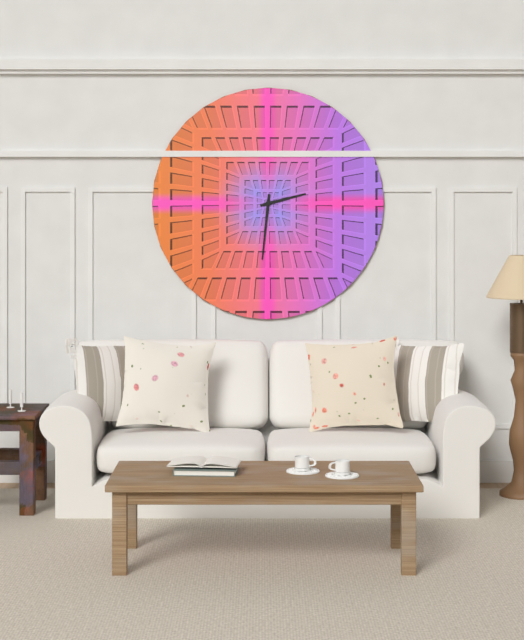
h=2 m=31
